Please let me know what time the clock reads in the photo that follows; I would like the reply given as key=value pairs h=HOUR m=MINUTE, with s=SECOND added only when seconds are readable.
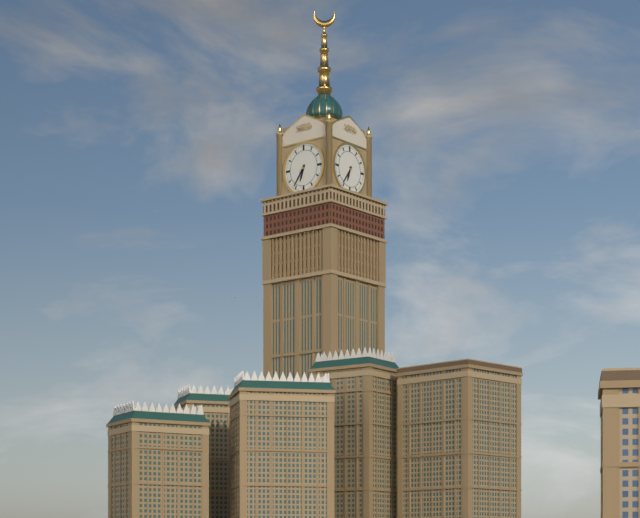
h=6 m=36
